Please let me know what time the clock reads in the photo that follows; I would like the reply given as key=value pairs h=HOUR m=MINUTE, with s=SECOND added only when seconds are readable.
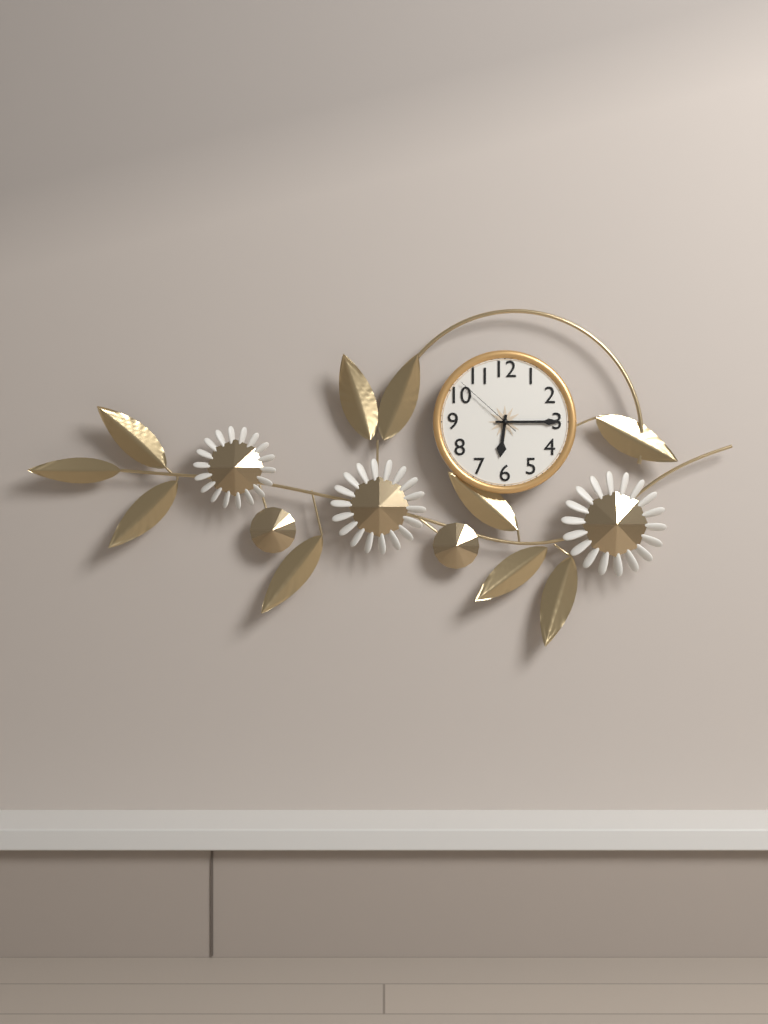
h=6 m=15 s=52
